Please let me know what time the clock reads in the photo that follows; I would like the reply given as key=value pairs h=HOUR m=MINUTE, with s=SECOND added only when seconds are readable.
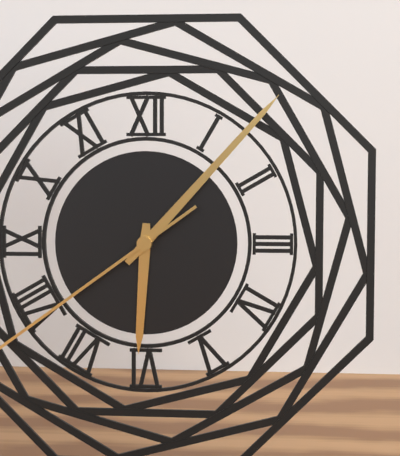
h=6 m=7
